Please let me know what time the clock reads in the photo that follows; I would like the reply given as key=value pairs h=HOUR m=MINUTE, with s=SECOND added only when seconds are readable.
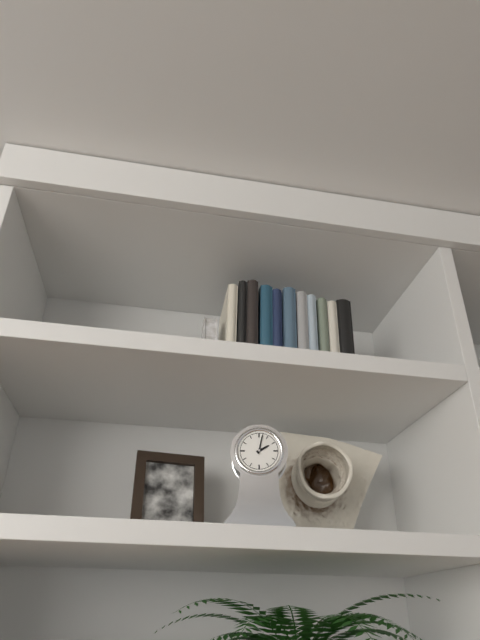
h=2 m=2
